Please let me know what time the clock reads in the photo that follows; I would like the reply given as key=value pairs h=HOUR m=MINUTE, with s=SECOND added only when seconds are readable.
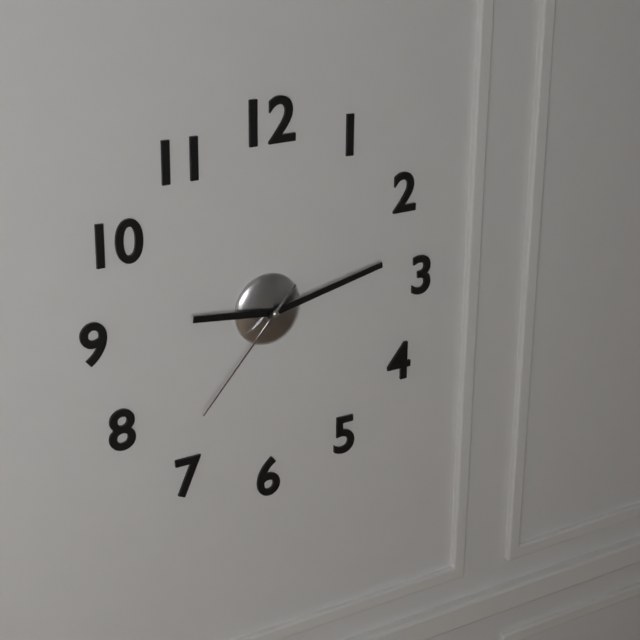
h=9 m=13 s=37
